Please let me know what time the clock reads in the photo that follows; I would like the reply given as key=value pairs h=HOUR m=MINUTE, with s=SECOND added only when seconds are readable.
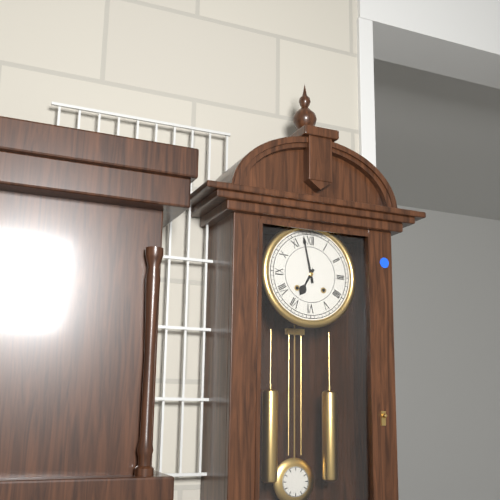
h=6 m=58
